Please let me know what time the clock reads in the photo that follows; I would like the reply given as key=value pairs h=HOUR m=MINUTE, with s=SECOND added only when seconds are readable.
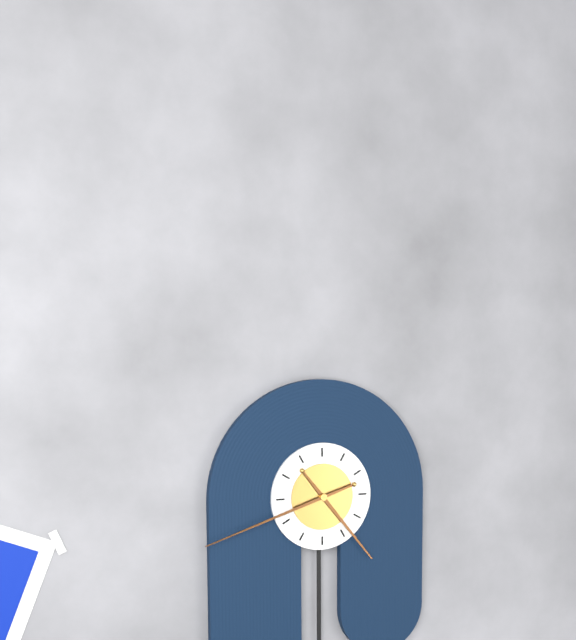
h=4 m=42
